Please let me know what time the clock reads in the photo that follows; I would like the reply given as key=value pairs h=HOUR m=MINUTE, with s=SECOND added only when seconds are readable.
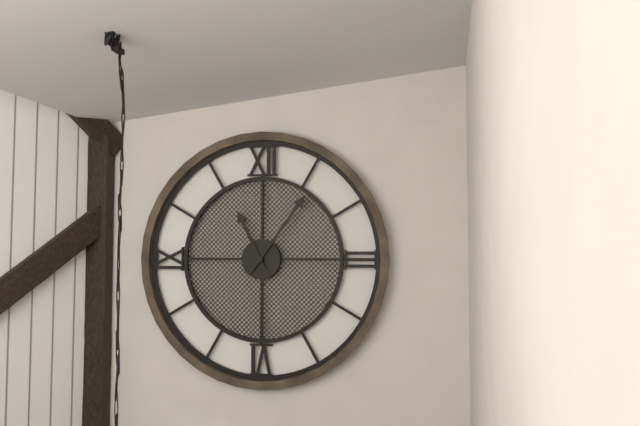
h=11 m=6
